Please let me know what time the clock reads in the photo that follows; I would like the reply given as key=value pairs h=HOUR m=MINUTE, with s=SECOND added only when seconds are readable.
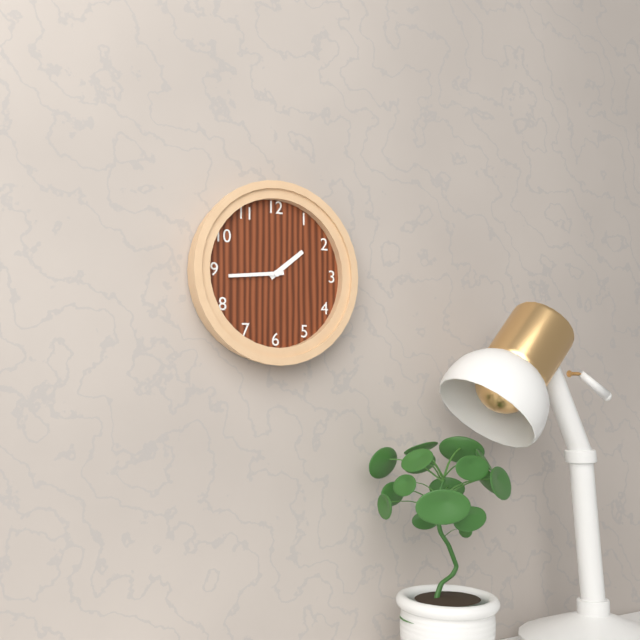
h=1 m=44
